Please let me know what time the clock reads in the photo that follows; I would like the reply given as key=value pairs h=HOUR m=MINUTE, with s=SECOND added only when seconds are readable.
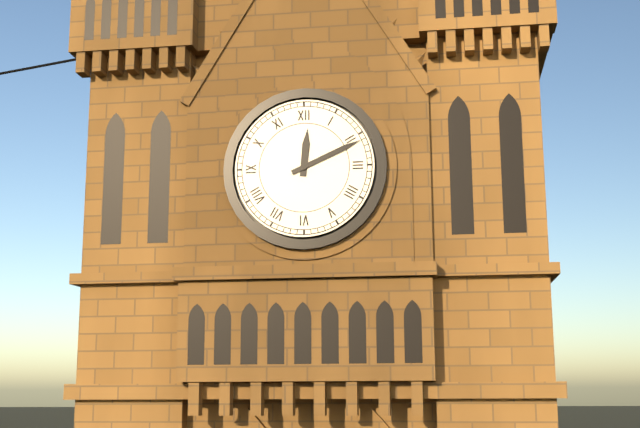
h=12 m=11
